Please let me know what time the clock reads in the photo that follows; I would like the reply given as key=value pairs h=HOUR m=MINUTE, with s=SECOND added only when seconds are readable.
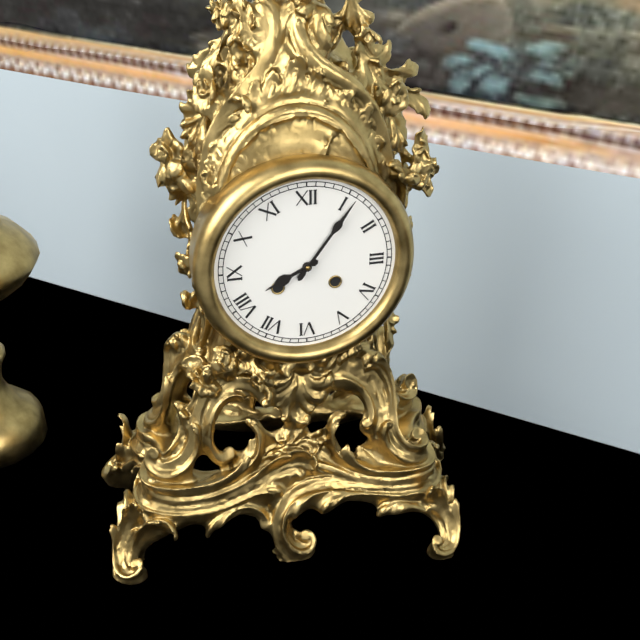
h=8 m=6
